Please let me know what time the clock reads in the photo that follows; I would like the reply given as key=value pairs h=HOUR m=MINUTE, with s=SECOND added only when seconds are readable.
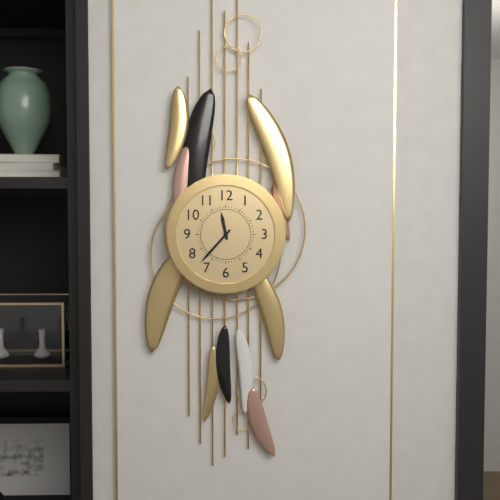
h=11 m=37
